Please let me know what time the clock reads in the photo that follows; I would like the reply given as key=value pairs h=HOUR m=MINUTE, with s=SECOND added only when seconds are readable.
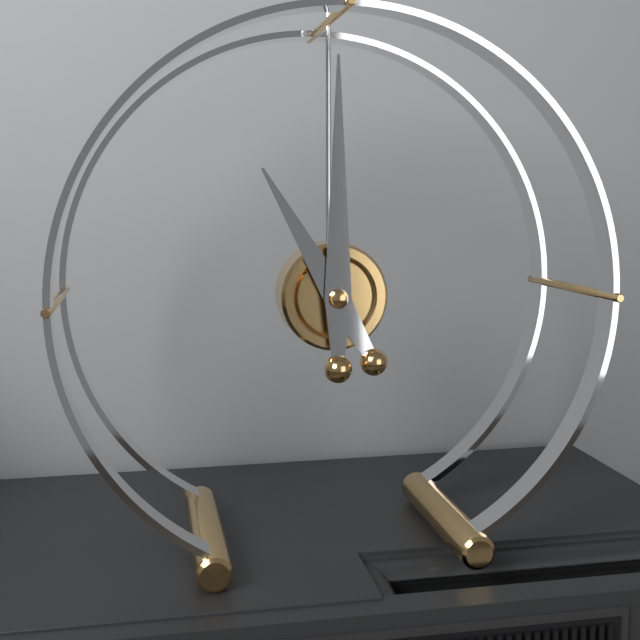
h=11 m=0
